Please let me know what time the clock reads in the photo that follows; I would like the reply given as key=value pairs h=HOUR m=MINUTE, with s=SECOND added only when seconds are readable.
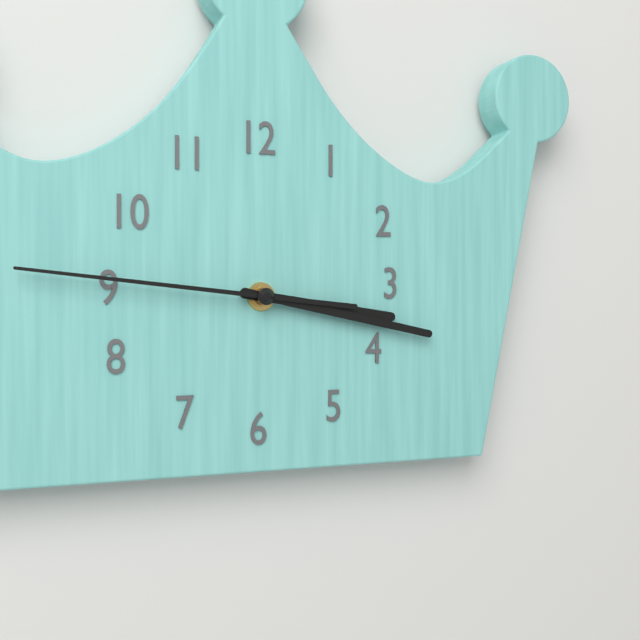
h=3 m=17 s=46
